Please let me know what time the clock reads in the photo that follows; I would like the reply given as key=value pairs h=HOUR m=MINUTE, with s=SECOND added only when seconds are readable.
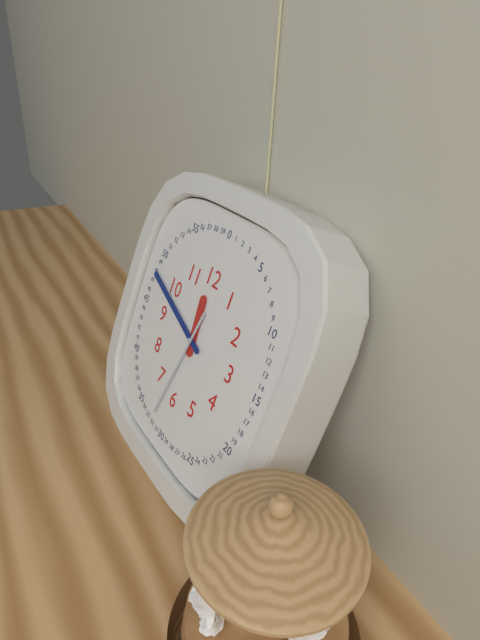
h=11 m=48 s=32
